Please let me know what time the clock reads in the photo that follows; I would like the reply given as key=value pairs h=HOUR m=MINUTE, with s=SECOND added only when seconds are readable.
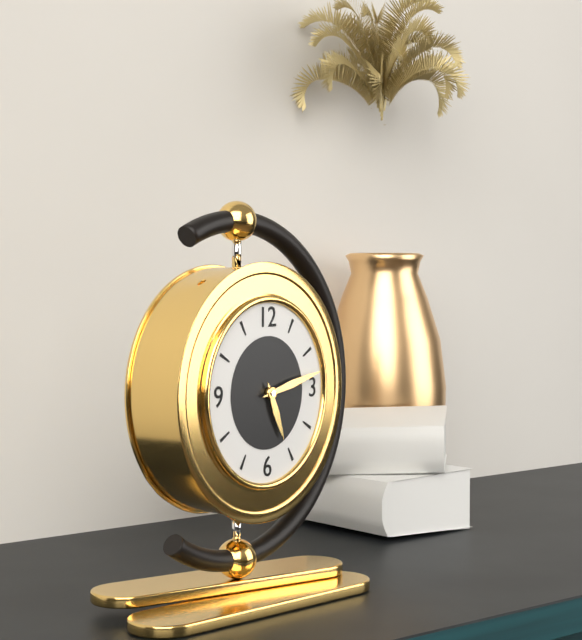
h=5 m=13
